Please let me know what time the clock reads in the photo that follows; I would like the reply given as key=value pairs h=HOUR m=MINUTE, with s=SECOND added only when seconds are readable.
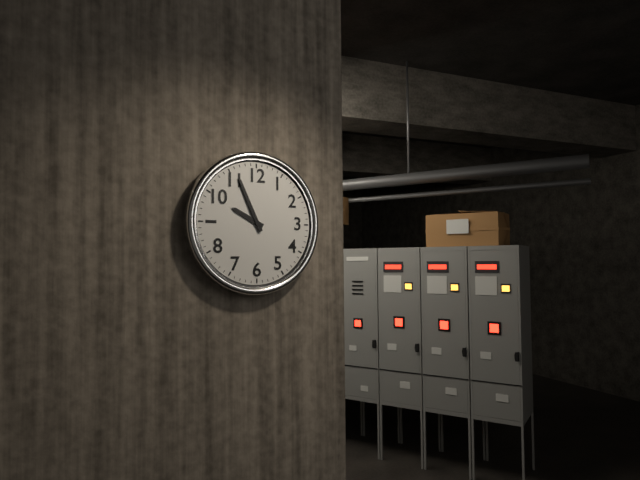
h=9 m=56
